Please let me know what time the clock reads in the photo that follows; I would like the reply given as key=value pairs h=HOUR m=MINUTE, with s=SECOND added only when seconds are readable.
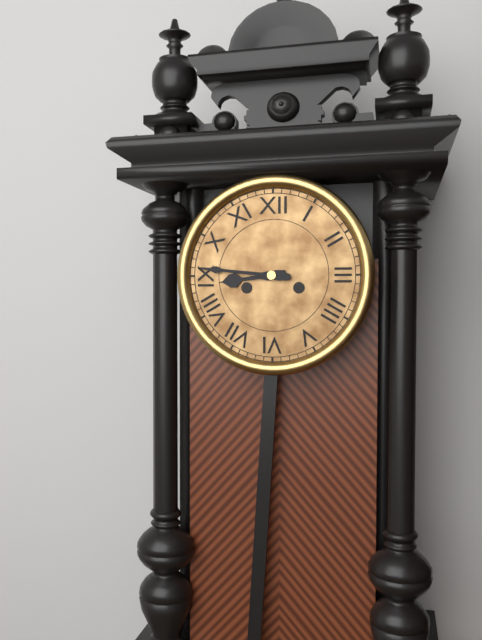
h=8 m=46
